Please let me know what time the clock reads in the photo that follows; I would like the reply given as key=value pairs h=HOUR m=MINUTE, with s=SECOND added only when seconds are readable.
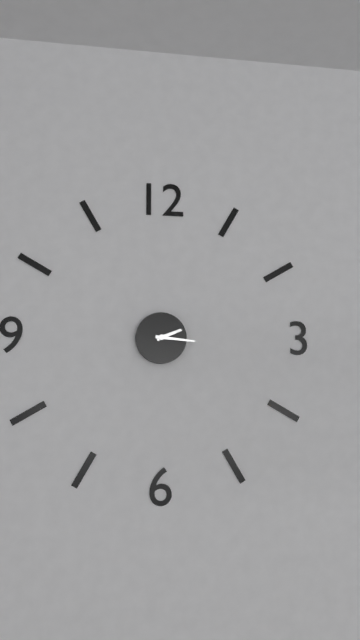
h=2 m=16
